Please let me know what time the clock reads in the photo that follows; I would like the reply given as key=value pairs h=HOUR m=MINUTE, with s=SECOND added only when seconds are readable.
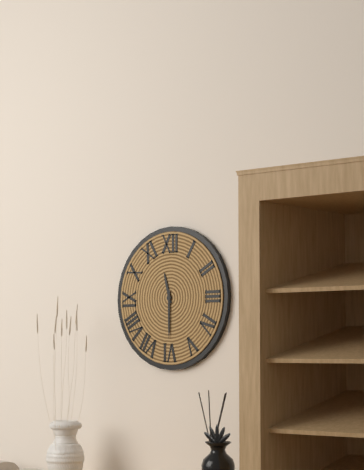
h=11 m=30
